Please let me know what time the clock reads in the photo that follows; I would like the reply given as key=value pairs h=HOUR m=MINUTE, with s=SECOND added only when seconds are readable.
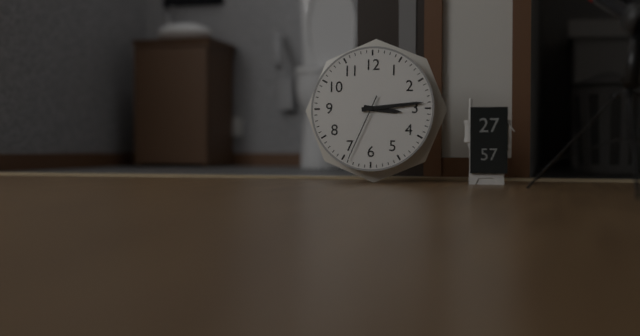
h=3 m=14 s=34
